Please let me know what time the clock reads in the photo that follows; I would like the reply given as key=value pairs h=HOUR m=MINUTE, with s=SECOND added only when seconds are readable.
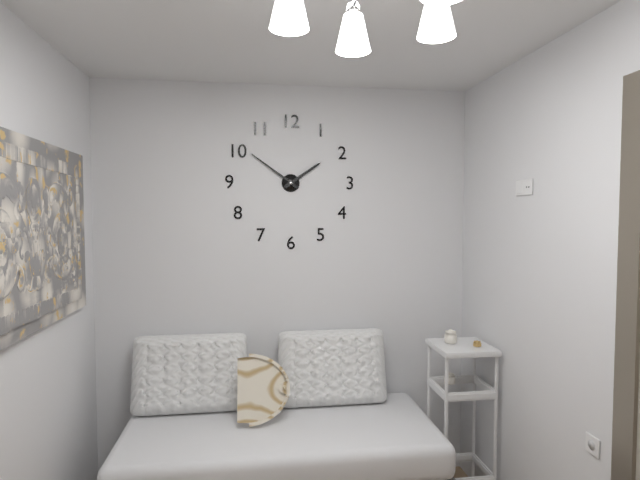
h=1 m=51
